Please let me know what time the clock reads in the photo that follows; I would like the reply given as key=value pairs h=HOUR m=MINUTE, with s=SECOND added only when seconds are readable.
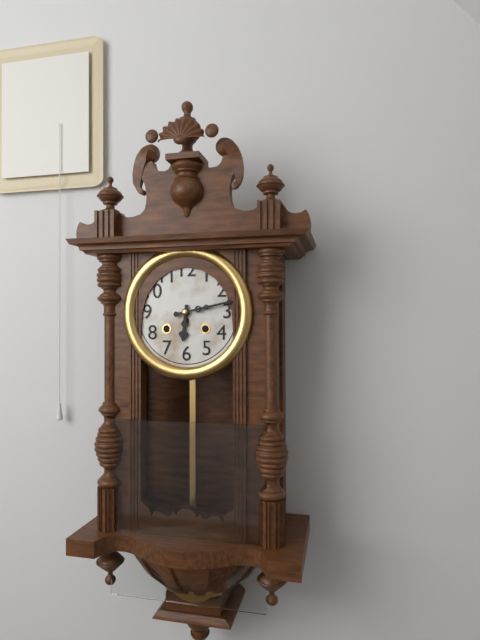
h=6 m=13
